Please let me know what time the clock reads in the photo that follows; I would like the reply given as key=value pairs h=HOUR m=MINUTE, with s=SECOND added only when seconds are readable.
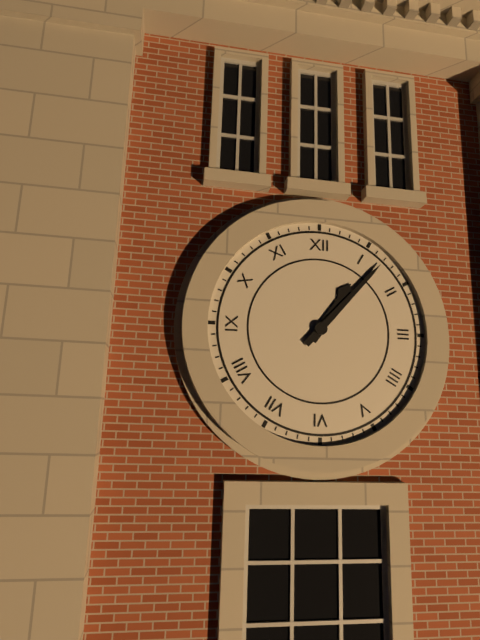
h=1 m=7
